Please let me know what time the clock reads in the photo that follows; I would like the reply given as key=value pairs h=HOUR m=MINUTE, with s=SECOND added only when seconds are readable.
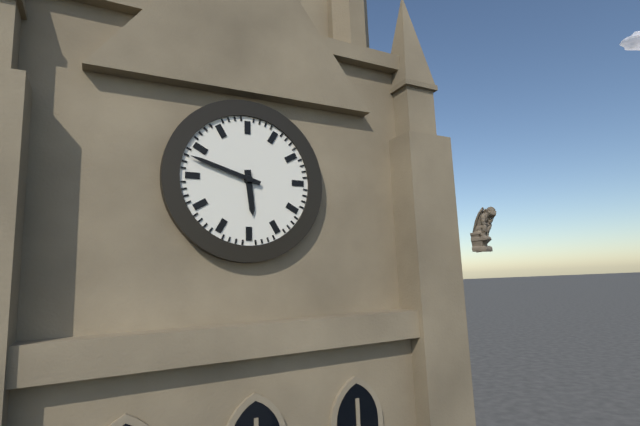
h=5 m=48
